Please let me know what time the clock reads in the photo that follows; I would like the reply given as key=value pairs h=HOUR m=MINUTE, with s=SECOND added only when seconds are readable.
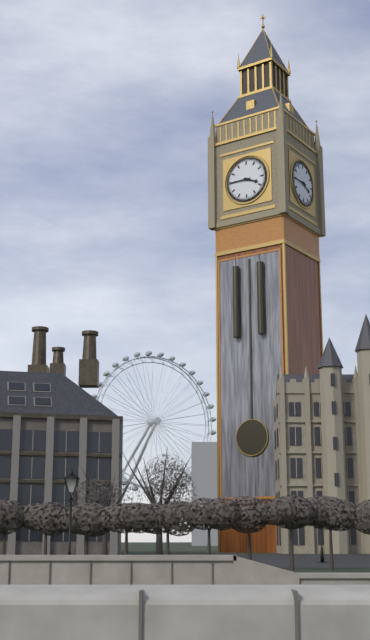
h=3 m=45
